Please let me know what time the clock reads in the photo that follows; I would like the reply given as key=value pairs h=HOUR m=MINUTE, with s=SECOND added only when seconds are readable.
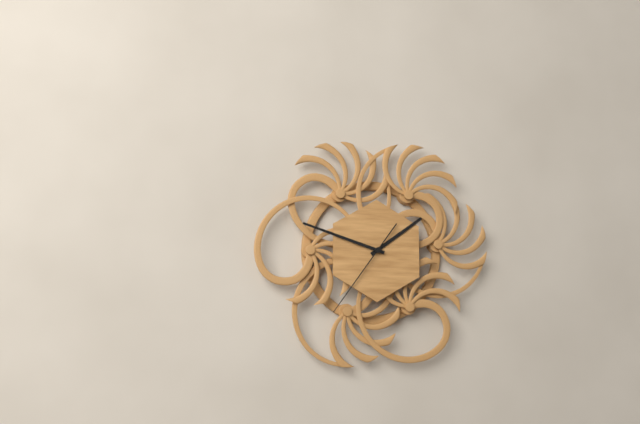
h=1 m=48 s=36
